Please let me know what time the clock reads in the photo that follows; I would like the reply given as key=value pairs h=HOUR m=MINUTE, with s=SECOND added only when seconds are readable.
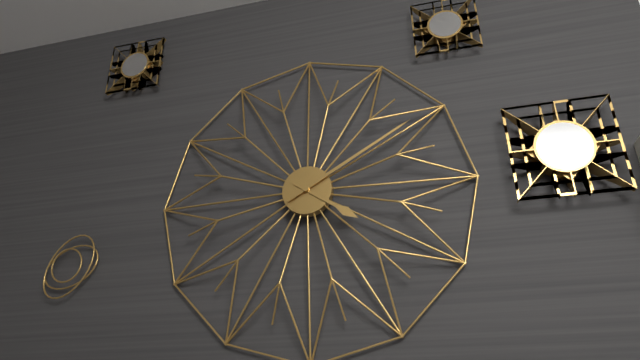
h=4 m=10
